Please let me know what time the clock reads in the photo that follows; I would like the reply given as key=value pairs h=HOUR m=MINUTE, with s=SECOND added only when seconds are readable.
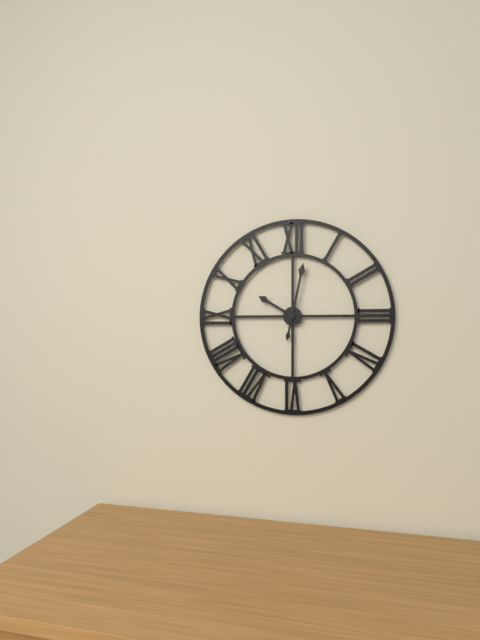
h=10 m=2
